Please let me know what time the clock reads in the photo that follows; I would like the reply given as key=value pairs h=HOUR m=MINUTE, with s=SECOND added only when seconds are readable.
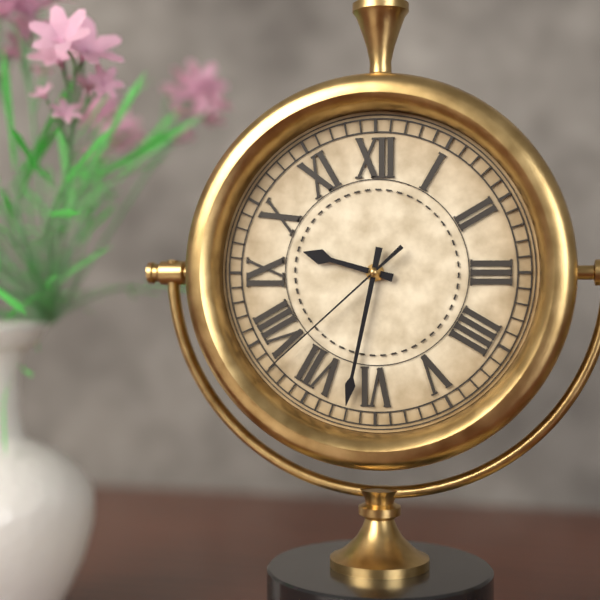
h=9 m=32 s=38
